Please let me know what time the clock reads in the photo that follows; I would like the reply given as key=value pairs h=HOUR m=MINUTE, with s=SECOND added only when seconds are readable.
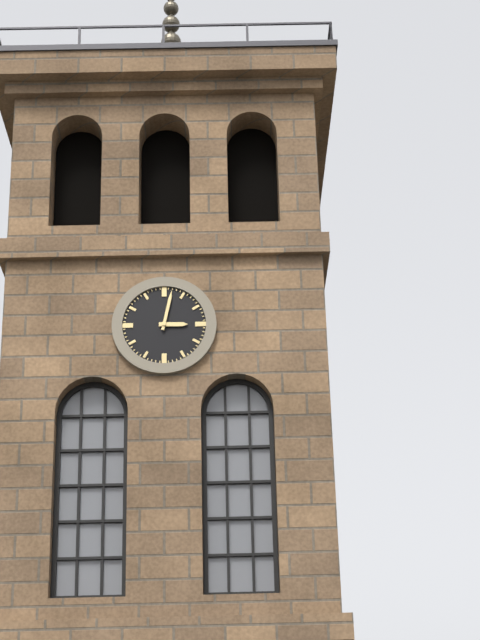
h=3 m=2
